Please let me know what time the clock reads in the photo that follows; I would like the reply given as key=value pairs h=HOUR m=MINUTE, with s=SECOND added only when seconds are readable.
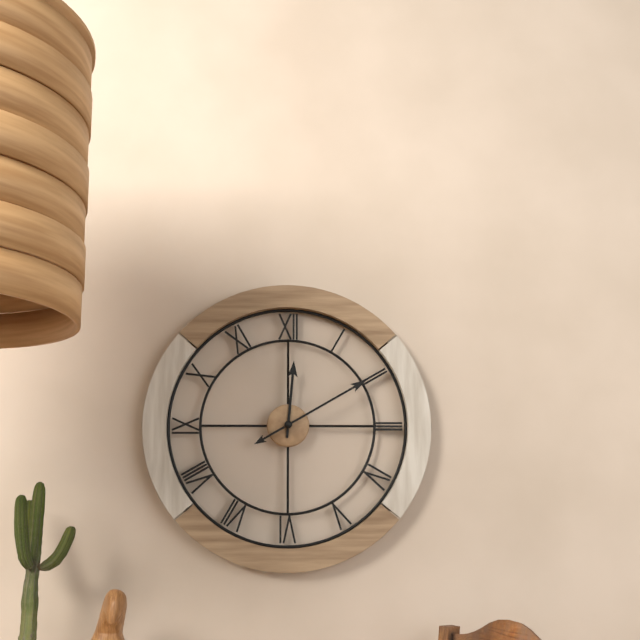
h=12 m=10
